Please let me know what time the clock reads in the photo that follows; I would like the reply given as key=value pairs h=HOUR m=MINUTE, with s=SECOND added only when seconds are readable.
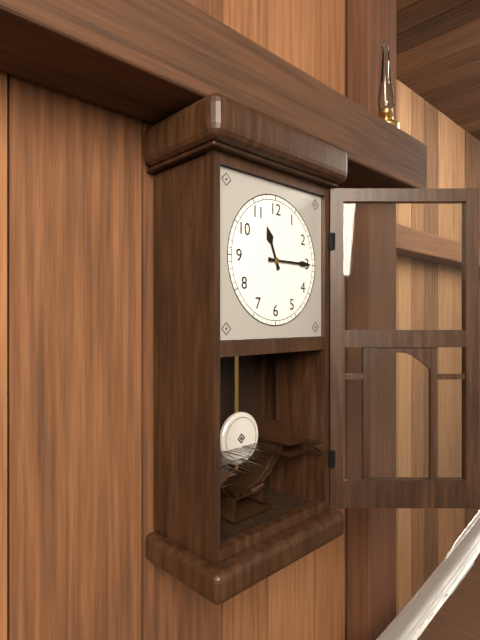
h=11 m=15
